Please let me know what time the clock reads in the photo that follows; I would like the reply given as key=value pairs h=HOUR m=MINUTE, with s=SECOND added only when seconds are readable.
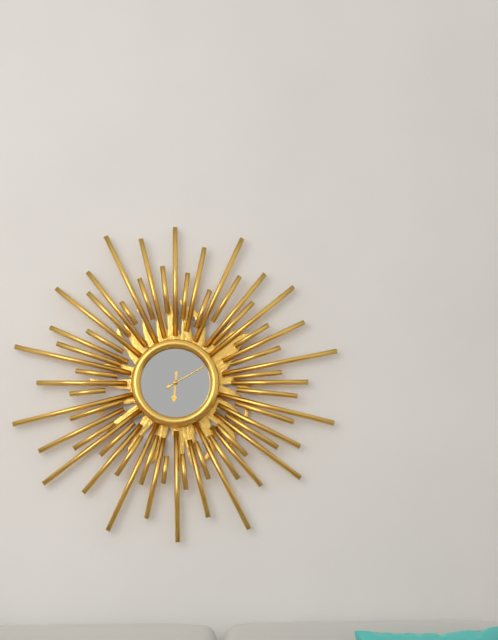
h=6 m=10
